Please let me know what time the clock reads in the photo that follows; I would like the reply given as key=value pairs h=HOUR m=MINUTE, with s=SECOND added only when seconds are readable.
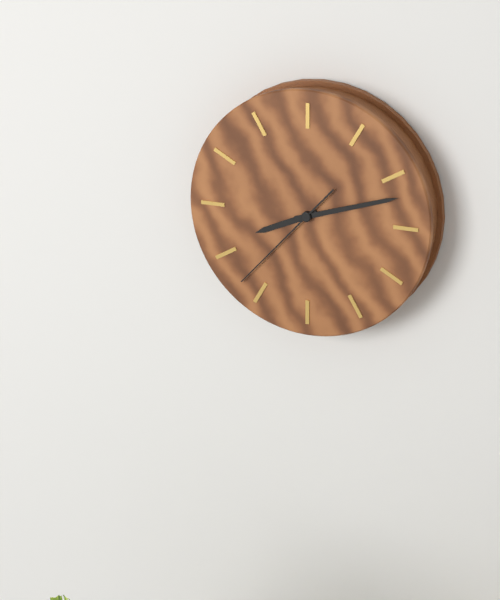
h=8 m=12 s=37
